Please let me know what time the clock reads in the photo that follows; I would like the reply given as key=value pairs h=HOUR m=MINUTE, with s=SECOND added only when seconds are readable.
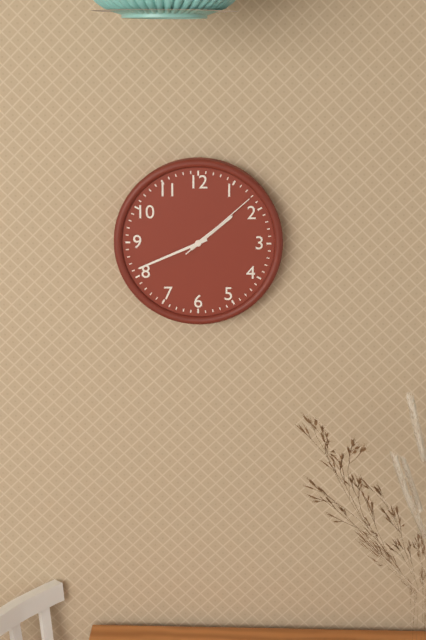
h=1 m=41 s=8
